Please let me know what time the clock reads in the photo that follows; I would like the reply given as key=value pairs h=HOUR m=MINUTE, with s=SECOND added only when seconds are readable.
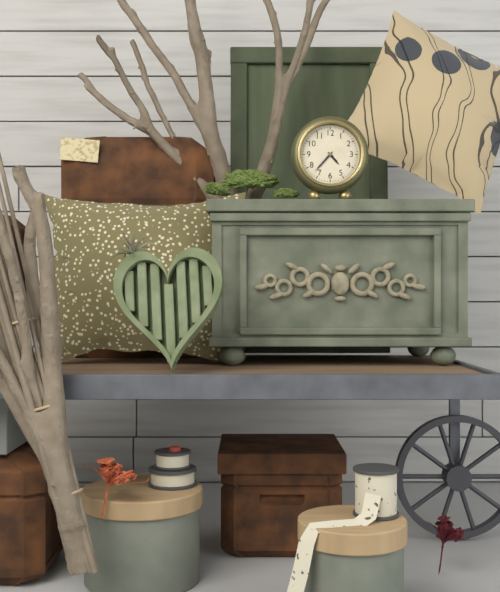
h=4 m=37
